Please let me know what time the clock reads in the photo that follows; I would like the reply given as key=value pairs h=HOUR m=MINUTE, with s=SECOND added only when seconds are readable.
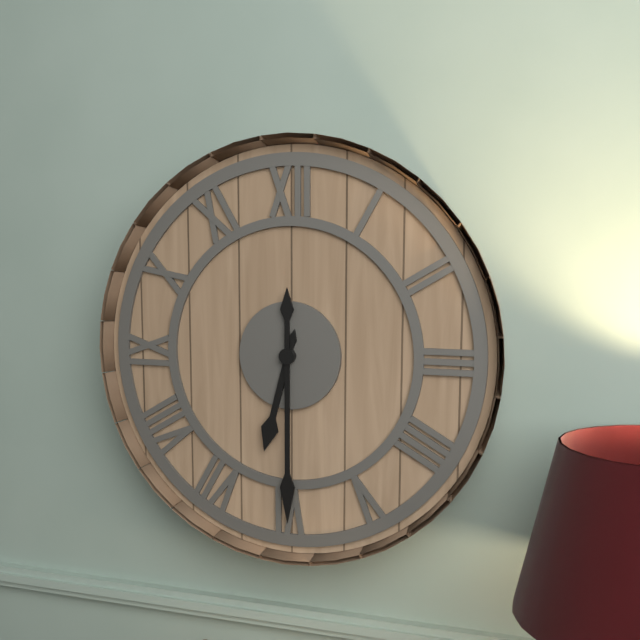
h=6 m=30
